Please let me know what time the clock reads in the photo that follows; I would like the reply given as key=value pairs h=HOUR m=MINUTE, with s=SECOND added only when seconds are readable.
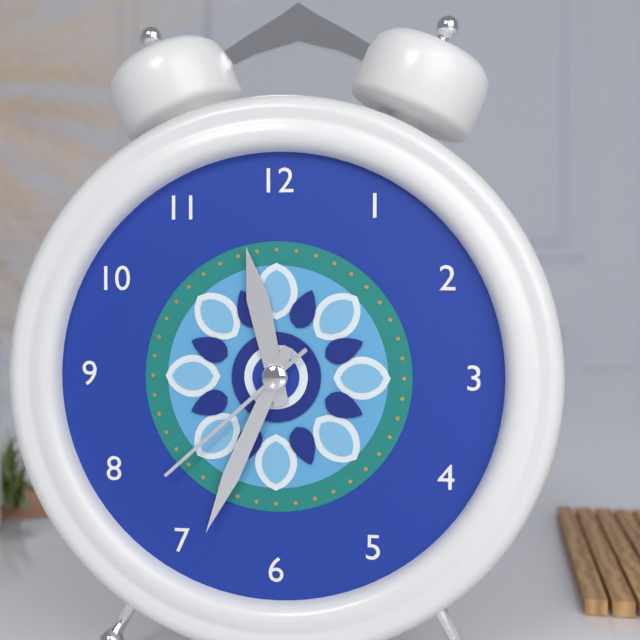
h=11 m=34 s=38
